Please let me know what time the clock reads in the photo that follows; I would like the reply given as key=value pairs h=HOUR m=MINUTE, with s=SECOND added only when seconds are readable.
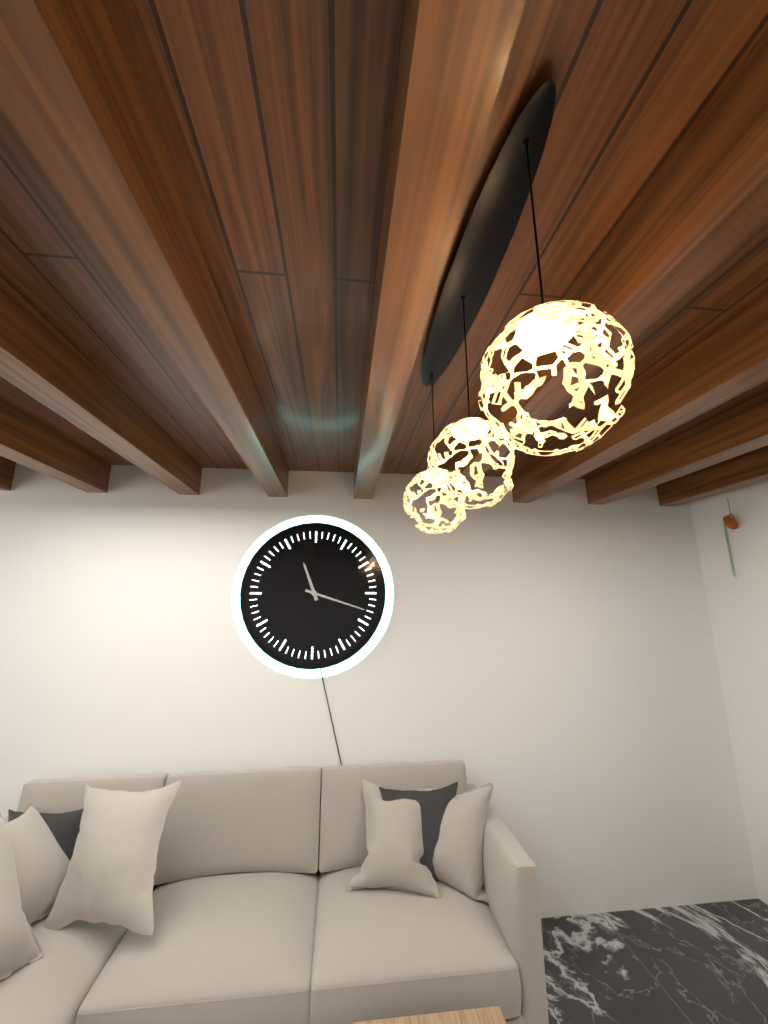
h=11 m=18
